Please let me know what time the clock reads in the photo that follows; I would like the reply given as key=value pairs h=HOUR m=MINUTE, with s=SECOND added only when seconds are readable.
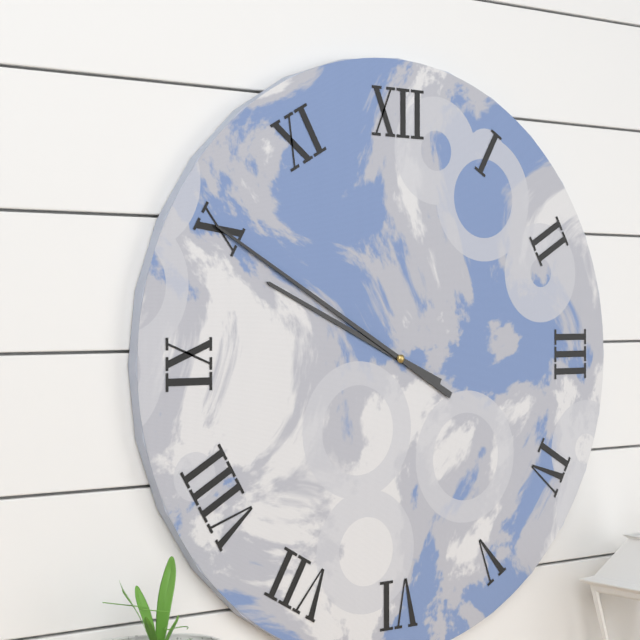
h=9 m=50
